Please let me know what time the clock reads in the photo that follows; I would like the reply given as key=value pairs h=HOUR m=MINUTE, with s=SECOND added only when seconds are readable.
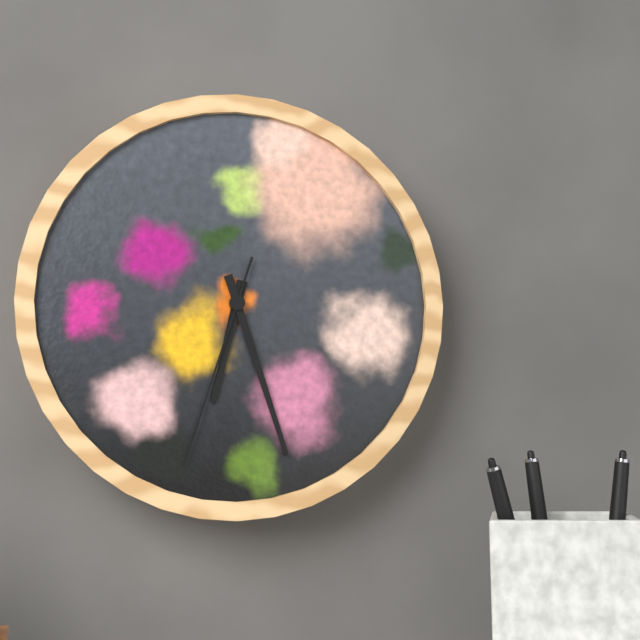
h=6 m=27 s=33
